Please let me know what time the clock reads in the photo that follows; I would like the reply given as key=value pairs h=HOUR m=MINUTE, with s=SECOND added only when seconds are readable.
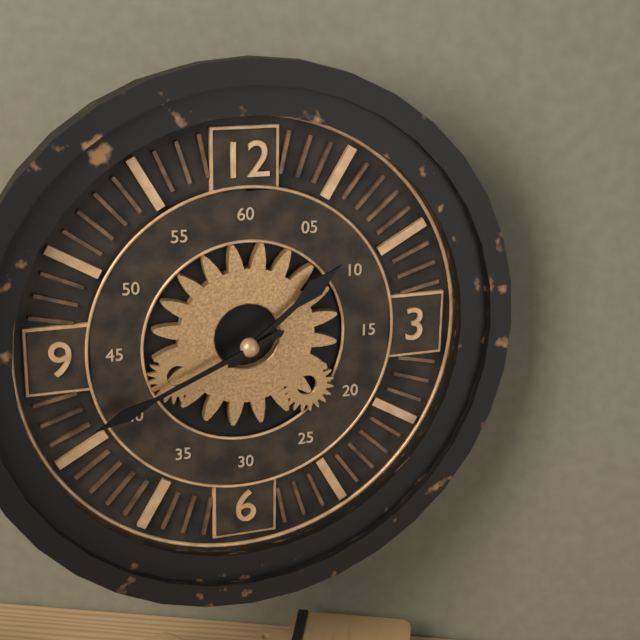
h=1 m=41
